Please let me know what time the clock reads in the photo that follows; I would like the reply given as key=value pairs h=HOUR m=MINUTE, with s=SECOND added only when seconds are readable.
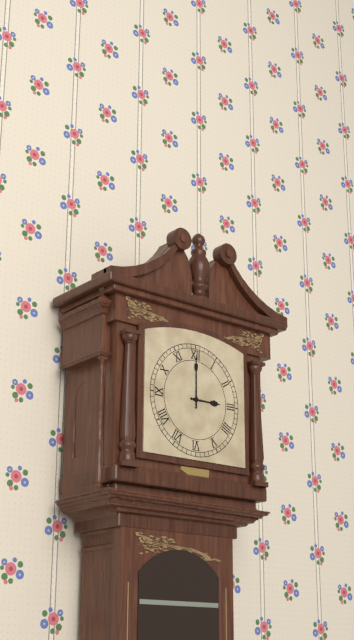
h=3 m=0
